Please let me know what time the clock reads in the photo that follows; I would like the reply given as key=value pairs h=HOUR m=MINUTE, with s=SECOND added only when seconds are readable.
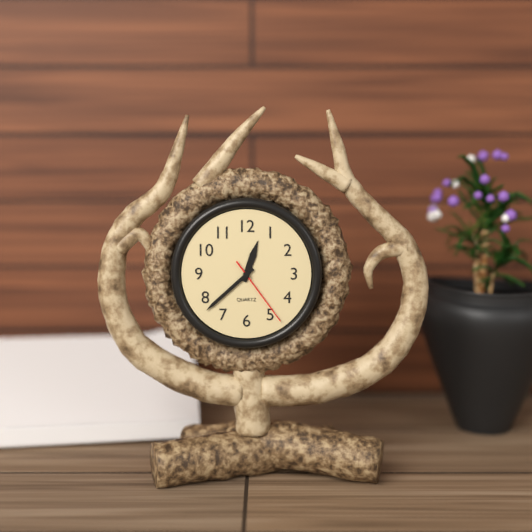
h=12 m=38 s=24
